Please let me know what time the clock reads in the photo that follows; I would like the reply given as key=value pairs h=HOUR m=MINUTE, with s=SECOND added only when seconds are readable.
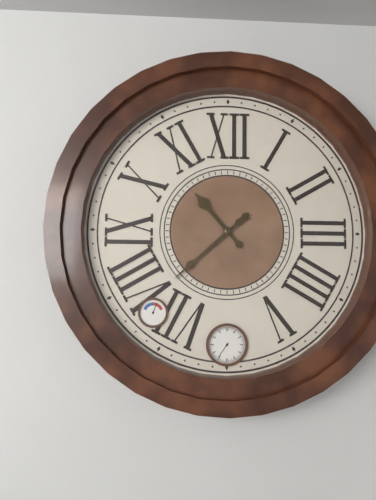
h=10 m=38
